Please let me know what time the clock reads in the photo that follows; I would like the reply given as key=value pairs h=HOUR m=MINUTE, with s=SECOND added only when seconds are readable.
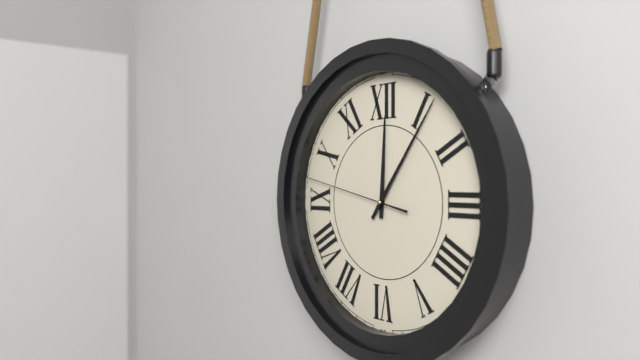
h=12 m=6 s=47
